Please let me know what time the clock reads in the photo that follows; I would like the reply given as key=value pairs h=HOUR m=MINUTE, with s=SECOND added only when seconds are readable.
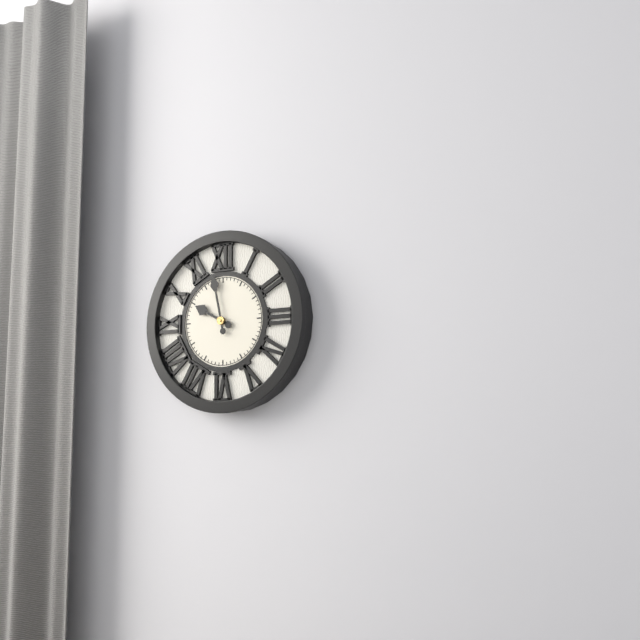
h=9 m=58
